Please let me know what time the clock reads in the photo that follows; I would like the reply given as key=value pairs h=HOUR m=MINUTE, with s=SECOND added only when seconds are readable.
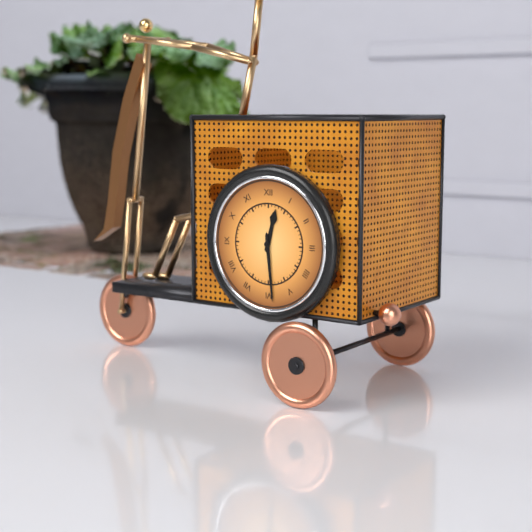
h=12 m=29
